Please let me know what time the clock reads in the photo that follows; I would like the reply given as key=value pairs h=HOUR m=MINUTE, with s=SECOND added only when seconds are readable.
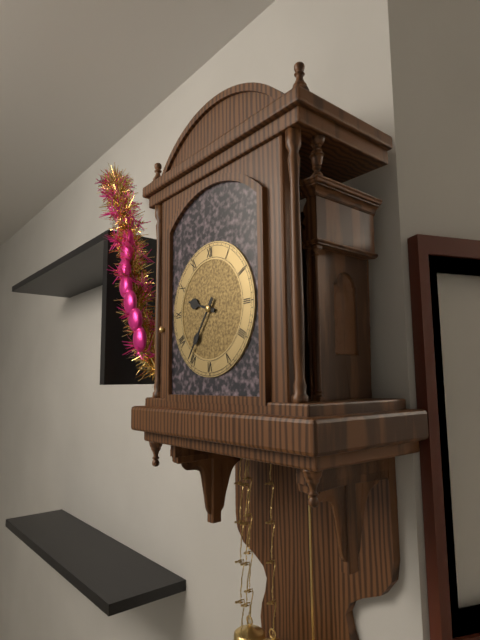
h=9 m=36
